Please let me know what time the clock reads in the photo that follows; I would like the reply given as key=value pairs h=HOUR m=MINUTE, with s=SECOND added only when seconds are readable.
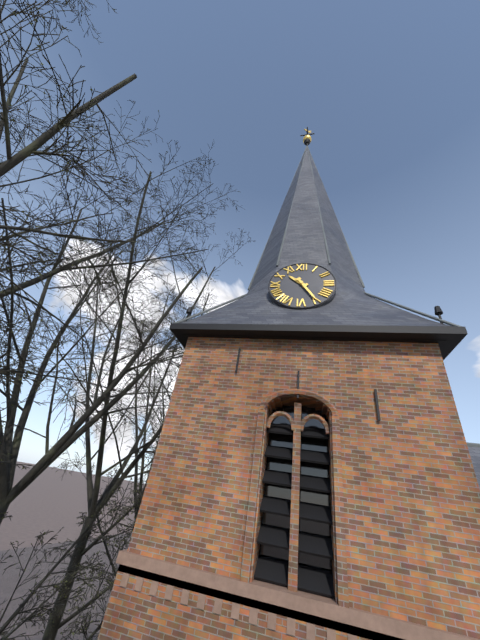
h=10 m=25
